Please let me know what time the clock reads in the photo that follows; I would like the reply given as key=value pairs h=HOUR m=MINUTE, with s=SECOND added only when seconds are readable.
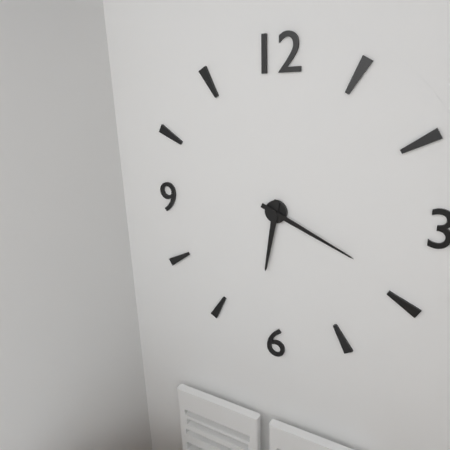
h=6 m=19
